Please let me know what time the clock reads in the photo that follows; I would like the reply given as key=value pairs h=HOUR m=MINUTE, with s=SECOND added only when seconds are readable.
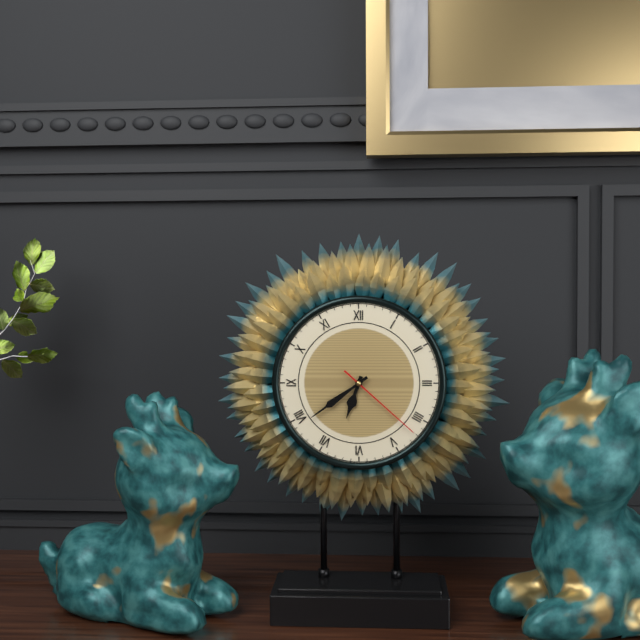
h=6 m=39 s=22
